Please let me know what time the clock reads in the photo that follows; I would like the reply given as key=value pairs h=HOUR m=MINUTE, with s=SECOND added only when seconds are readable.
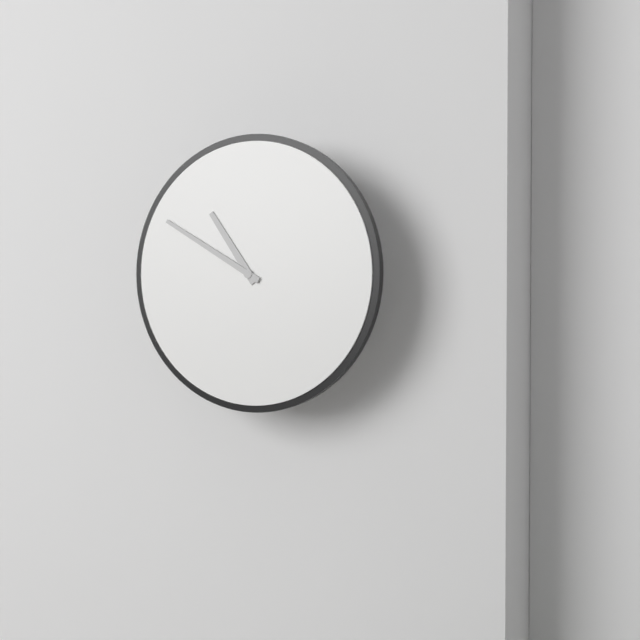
h=10 m=50
